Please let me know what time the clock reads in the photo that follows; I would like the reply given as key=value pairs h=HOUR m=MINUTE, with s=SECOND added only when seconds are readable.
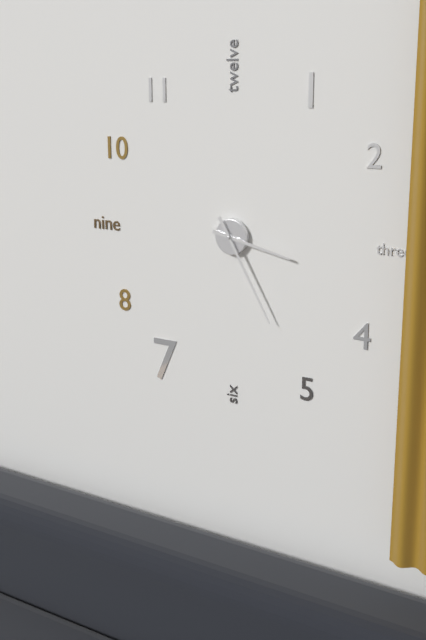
h=3 m=25
